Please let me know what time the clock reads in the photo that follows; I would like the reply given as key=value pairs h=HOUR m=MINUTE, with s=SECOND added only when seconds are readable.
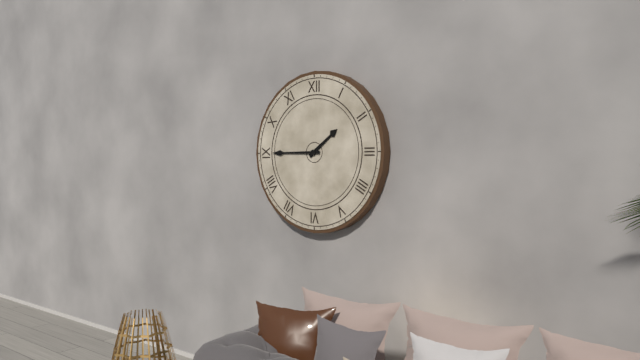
h=1 m=45
